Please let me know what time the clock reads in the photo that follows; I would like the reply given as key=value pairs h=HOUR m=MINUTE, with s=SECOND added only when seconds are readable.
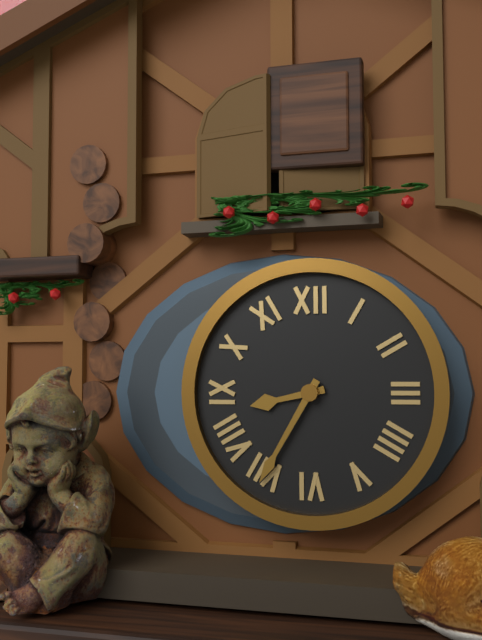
h=8 m=35
